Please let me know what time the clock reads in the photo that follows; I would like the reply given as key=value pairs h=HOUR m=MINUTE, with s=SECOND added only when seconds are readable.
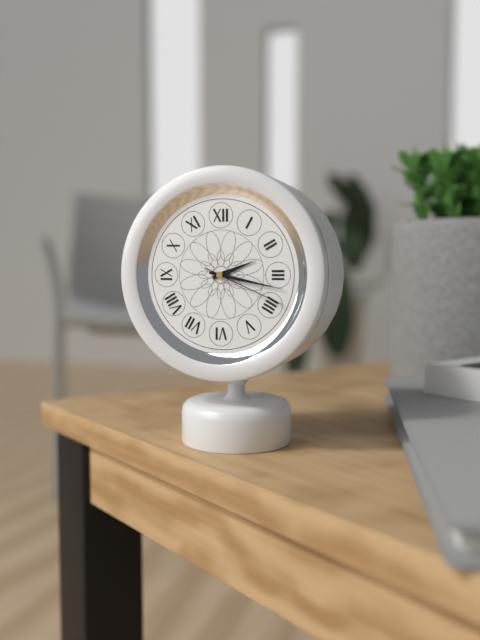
h=2 m=17 s=19
